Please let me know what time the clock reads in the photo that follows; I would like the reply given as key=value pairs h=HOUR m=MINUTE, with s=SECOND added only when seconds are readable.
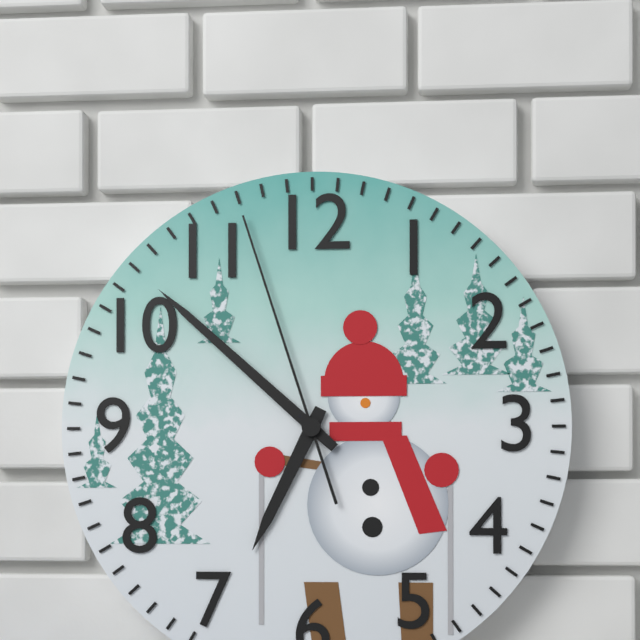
h=6 m=52 s=57
